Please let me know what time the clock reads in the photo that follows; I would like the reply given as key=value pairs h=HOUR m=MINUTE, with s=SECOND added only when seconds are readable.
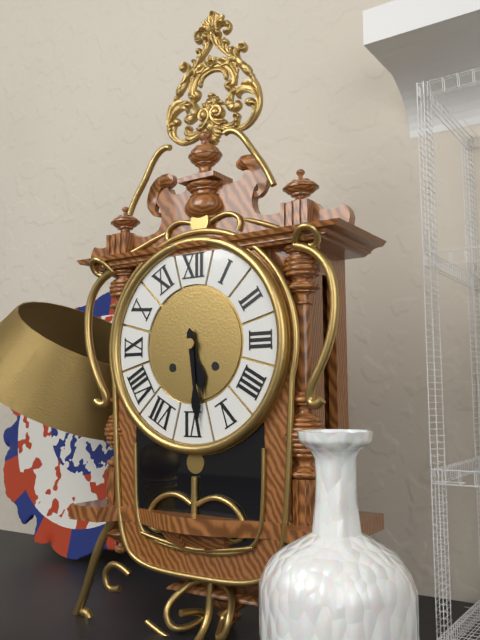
h=5 m=29
